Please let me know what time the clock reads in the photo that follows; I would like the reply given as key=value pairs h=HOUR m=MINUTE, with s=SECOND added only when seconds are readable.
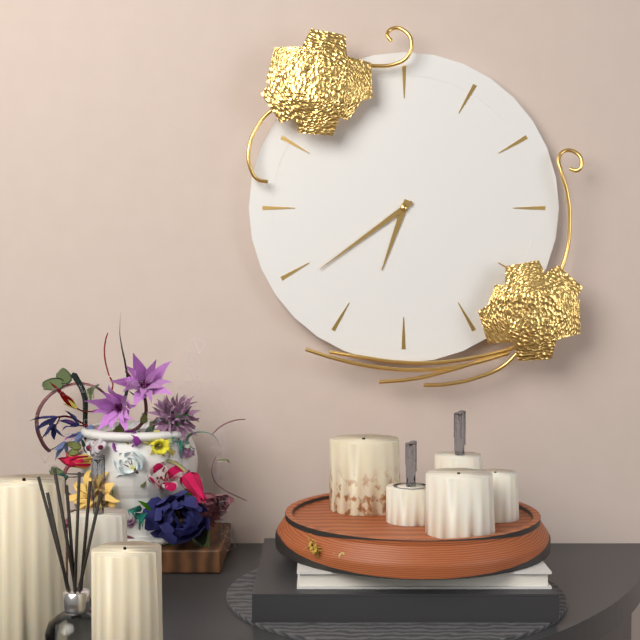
h=6 m=39
